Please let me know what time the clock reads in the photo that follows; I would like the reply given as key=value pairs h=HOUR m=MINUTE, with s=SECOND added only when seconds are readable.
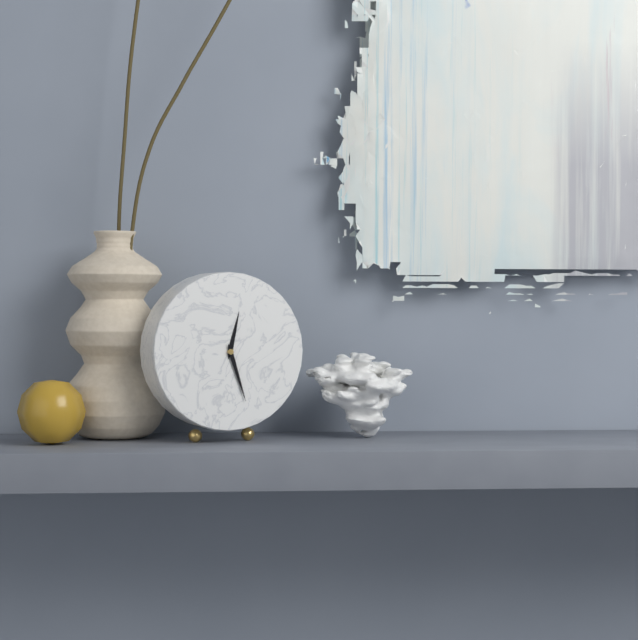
h=12 m=27
